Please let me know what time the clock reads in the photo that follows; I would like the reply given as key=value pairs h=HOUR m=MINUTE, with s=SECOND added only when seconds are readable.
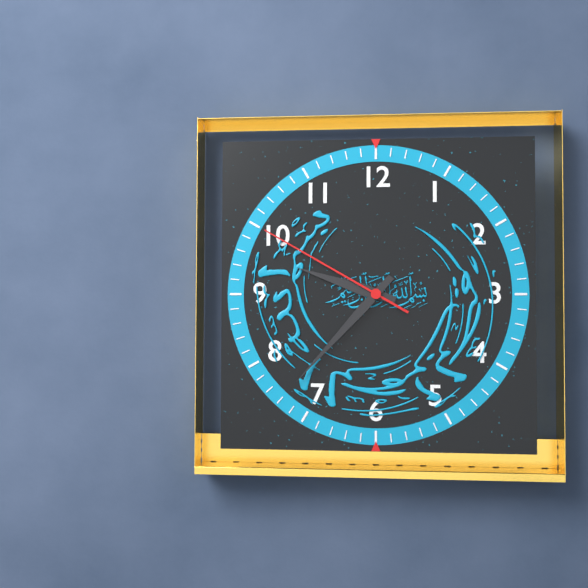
h=9 m=37 s=50
